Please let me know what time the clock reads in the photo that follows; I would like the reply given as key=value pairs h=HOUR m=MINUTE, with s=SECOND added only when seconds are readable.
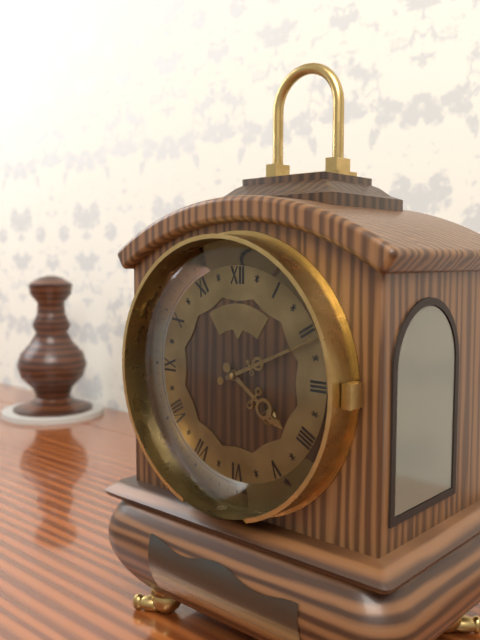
h=4 m=11
